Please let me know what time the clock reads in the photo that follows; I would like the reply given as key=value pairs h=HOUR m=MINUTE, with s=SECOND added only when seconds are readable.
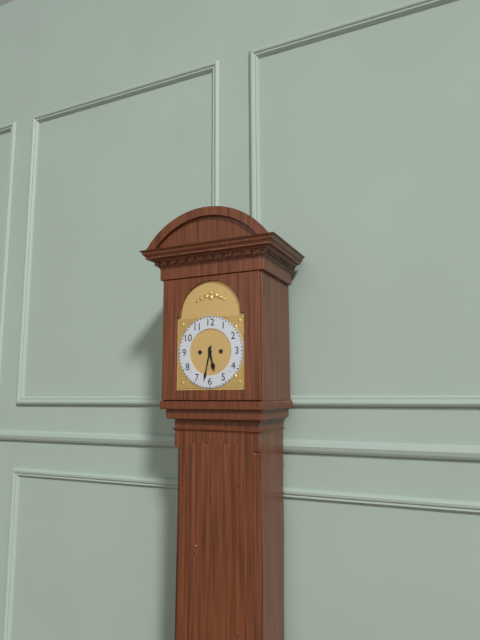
h=5 m=32
